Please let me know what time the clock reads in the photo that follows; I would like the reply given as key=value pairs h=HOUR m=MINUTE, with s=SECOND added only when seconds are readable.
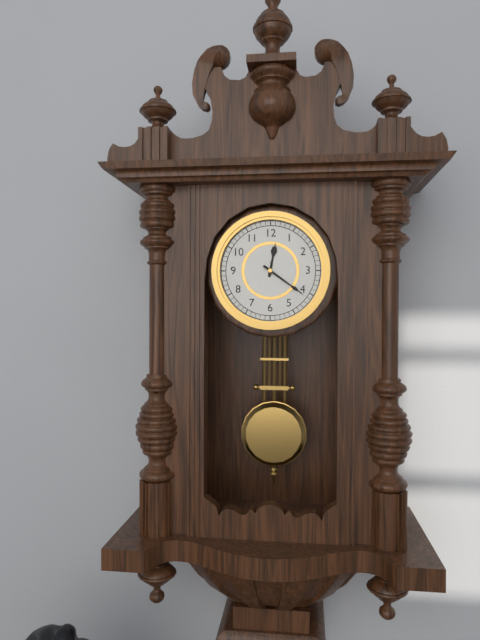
h=12 m=21
